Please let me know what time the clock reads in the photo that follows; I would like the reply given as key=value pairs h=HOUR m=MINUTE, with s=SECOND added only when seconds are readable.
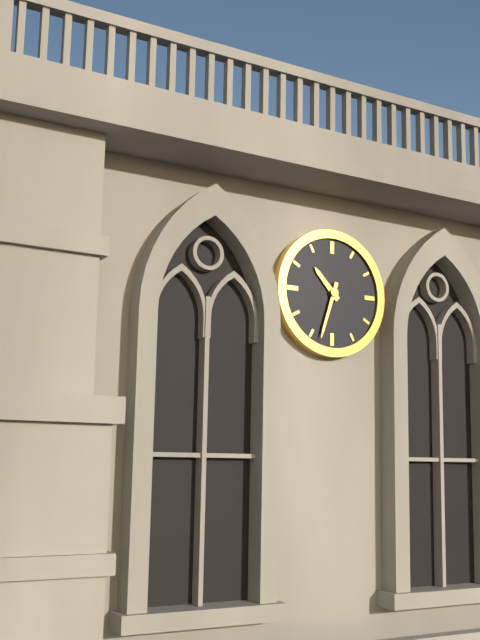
h=10 m=33
